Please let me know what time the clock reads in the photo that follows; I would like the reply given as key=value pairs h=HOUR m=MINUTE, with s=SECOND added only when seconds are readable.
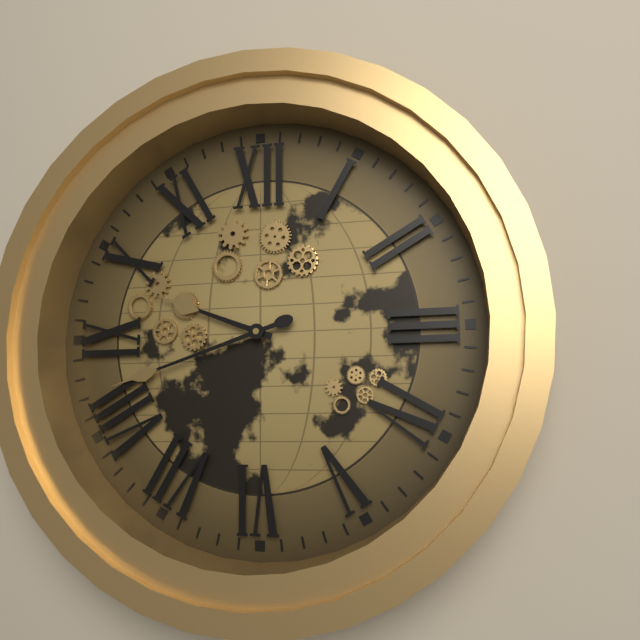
h=9 m=42
